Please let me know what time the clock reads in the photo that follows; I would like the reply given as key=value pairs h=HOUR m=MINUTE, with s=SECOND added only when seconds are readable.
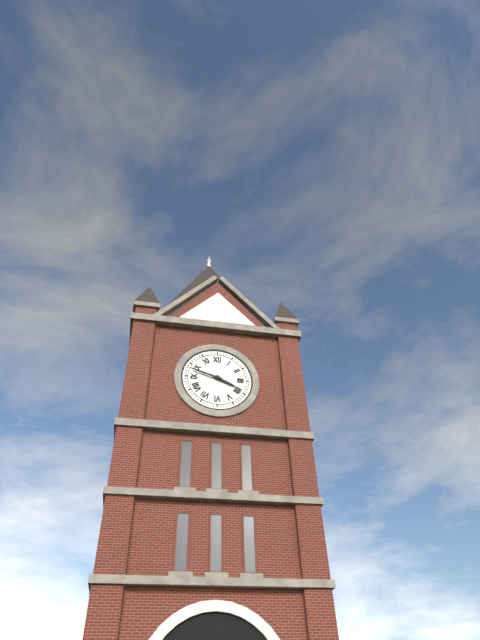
h=3 m=48
